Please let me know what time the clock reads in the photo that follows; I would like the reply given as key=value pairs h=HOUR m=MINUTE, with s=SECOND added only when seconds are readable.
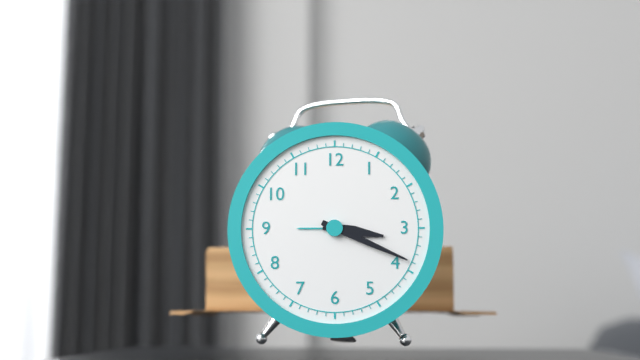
h=3 m=19
